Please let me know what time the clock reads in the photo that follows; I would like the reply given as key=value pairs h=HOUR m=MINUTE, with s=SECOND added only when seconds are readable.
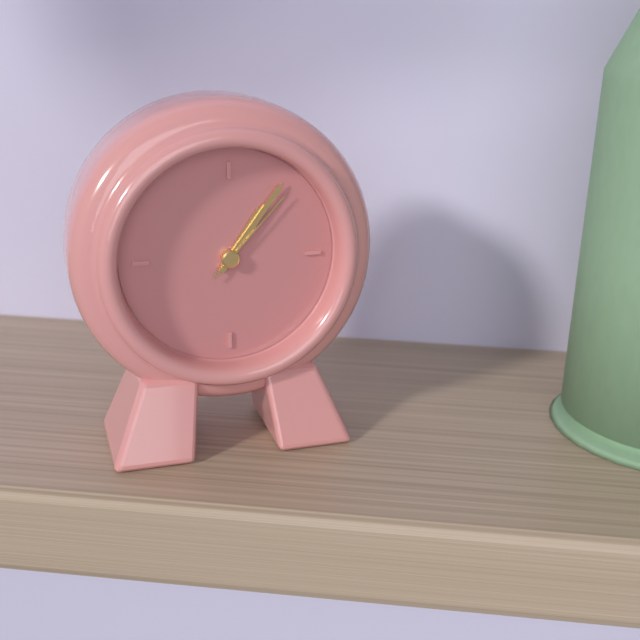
h=1 m=6 s=7
